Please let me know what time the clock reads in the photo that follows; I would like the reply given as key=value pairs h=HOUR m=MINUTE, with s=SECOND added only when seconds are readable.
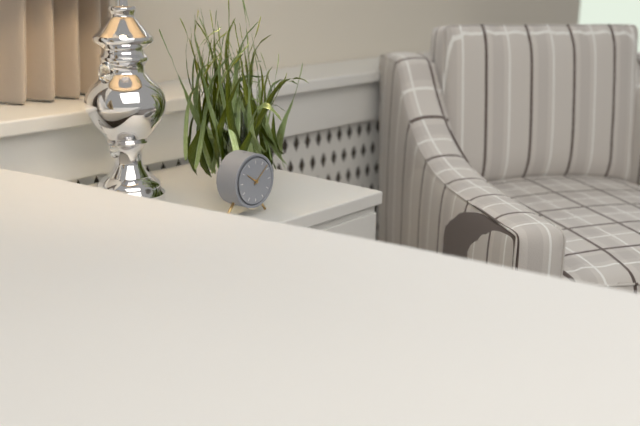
h=10 m=8
